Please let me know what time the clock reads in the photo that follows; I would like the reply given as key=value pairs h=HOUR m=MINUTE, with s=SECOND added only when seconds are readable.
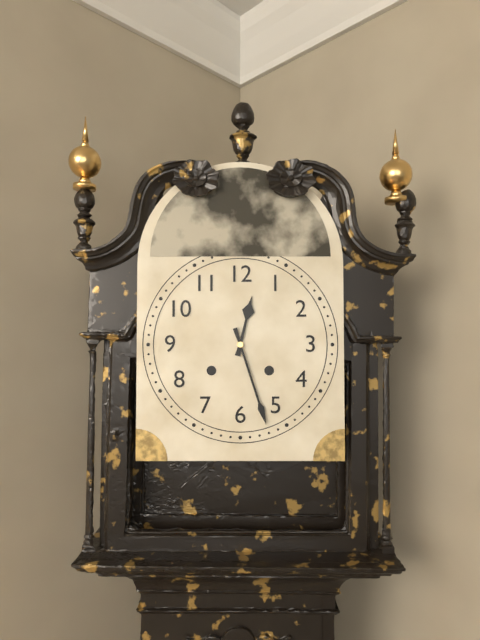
h=12 m=27
